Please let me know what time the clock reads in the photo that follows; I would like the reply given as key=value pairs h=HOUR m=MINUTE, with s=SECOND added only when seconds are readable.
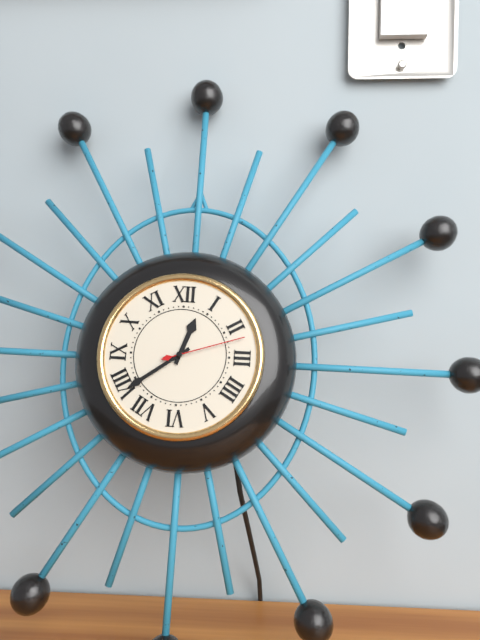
h=12 m=39 s=12
